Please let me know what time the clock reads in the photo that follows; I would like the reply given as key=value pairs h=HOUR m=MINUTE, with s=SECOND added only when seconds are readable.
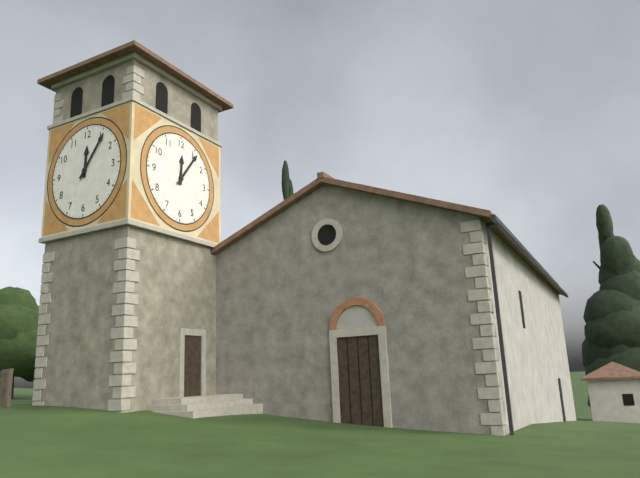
h=12 m=6
